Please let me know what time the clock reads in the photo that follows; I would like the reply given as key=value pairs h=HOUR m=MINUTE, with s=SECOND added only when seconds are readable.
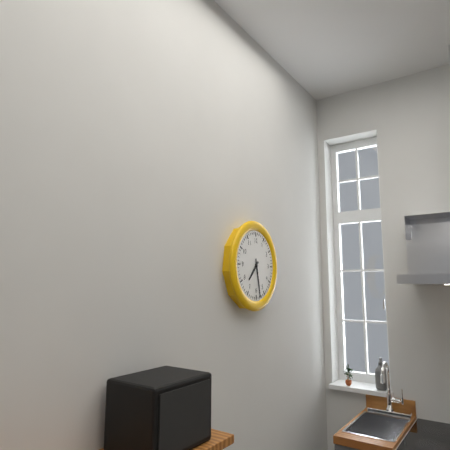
h=7 m=28
